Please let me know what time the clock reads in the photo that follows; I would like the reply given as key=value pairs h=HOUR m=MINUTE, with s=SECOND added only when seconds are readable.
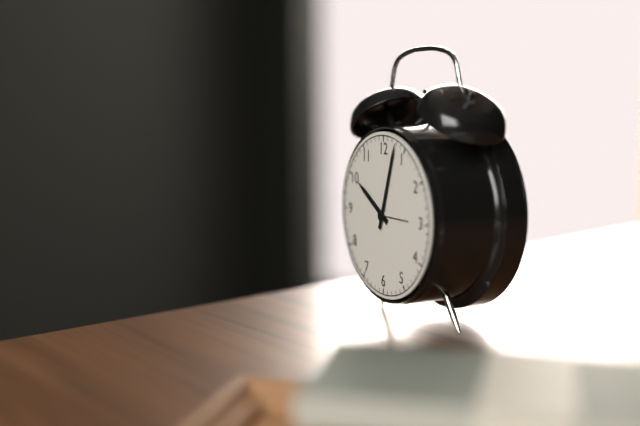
h=10 m=3
